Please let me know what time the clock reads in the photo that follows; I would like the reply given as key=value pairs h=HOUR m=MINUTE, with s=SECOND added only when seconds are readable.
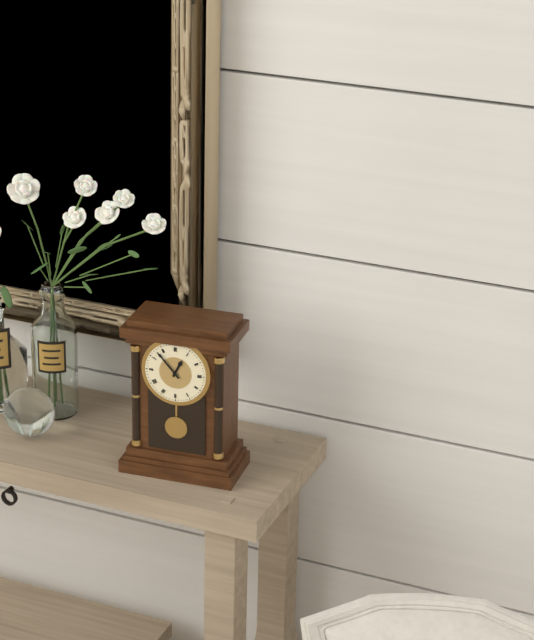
h=12 m=53
